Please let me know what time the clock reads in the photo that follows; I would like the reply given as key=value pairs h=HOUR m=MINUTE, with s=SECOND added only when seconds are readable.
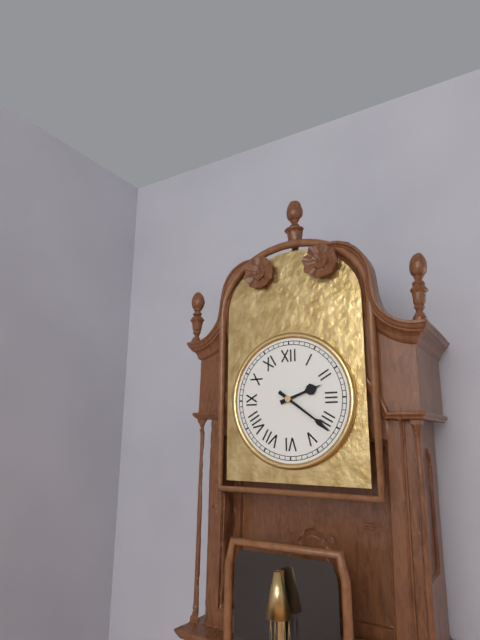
h=2 m=21
